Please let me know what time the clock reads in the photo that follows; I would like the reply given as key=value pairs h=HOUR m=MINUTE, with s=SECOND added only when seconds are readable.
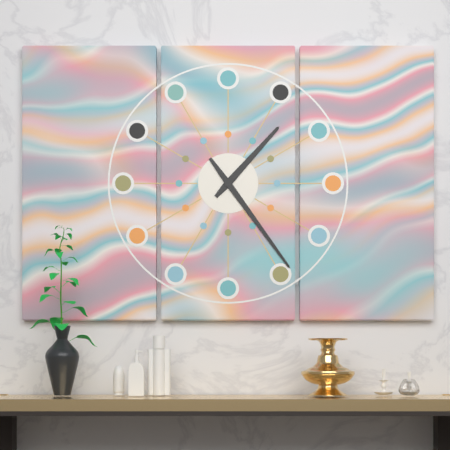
h=1 m=24
